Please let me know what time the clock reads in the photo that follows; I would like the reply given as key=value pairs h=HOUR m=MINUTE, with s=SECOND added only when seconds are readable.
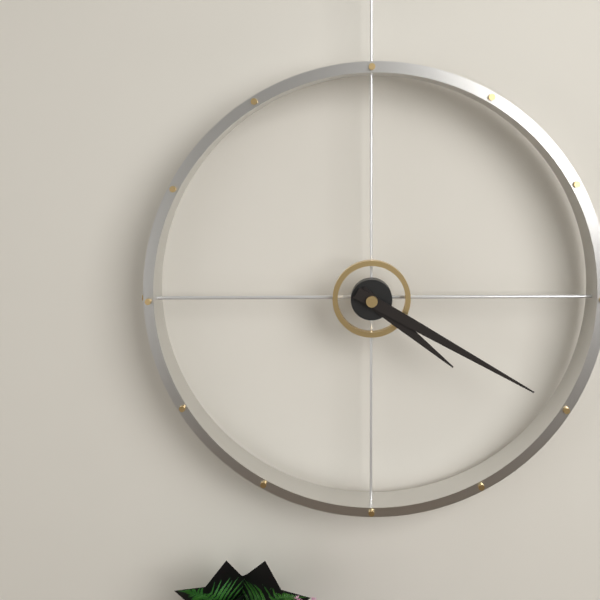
h=4 m=20
